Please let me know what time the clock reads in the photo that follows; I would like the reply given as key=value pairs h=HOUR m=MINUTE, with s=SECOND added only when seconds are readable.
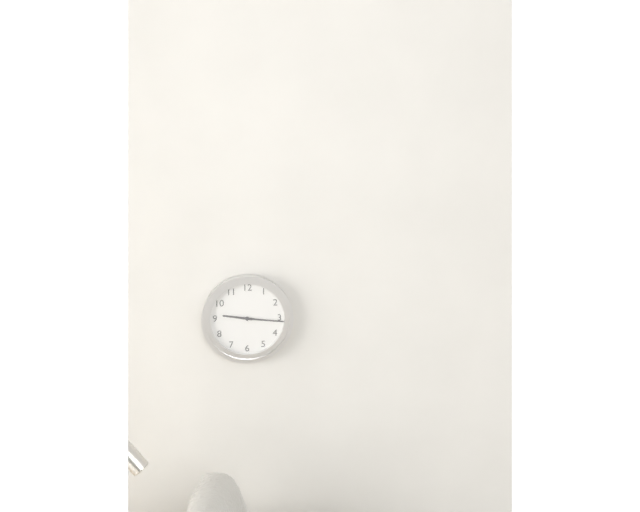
h=9 m=16
